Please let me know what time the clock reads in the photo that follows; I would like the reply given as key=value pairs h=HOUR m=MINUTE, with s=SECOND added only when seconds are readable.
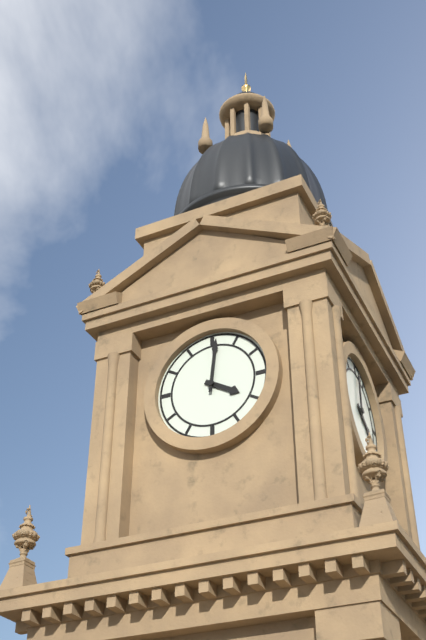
h=4 m=1
